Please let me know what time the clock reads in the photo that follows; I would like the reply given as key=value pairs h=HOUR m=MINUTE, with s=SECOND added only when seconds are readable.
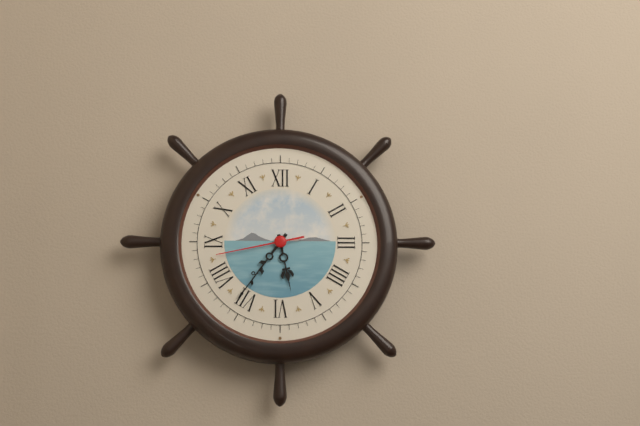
h=5 m=36 s=43
